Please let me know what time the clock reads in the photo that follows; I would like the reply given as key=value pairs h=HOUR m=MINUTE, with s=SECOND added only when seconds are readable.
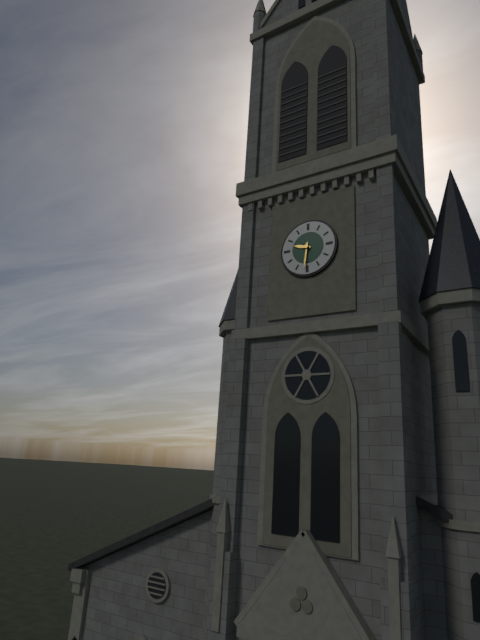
h=9 m=31
